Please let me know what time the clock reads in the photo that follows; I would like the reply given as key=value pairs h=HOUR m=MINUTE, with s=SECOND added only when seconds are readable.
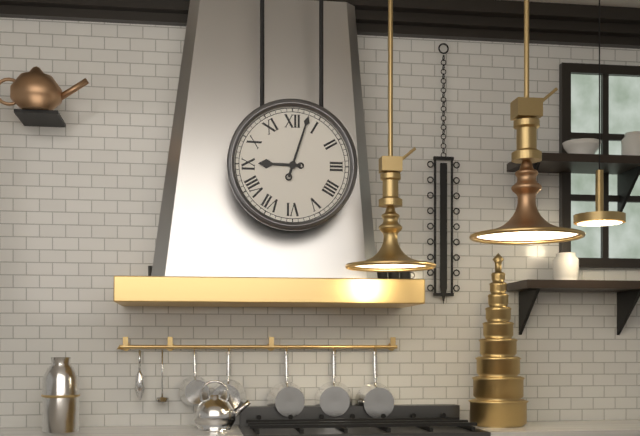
h=9 m=3
